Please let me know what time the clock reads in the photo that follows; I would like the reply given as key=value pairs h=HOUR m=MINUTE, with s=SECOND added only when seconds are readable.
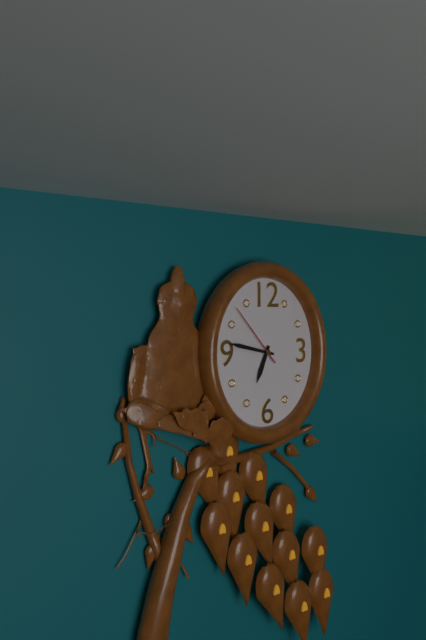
h=6 m=47 s=53
